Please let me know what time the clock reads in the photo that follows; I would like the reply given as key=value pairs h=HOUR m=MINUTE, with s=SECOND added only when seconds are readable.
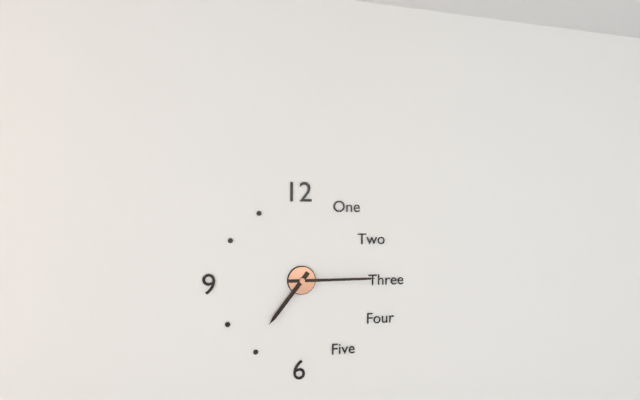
h=7 m=15
